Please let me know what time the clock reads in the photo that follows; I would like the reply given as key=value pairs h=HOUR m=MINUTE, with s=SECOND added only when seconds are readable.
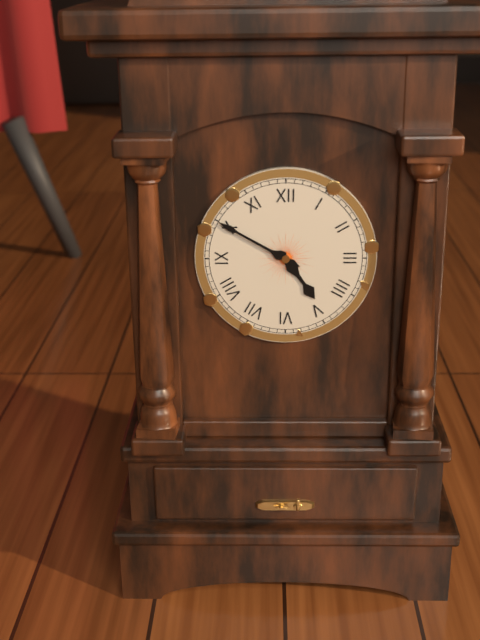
h=4 m=50
